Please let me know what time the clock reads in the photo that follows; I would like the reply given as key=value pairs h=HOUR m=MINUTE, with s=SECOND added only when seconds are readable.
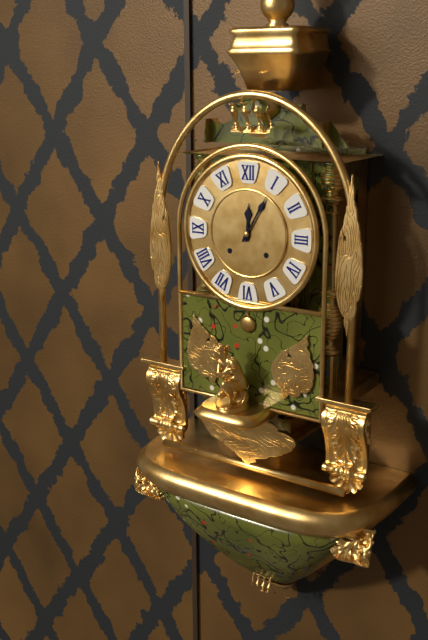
h=12 m=5
